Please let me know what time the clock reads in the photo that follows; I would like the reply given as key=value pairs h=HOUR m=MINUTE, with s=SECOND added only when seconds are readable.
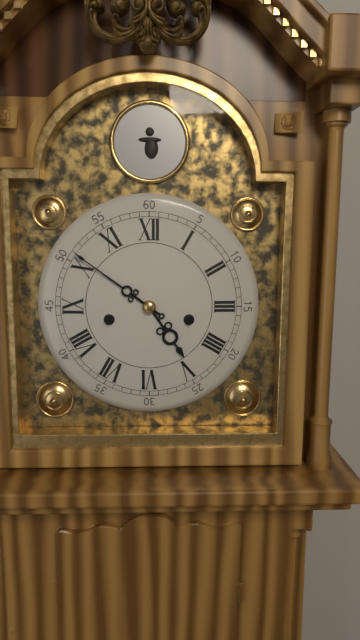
h=4 m=51
